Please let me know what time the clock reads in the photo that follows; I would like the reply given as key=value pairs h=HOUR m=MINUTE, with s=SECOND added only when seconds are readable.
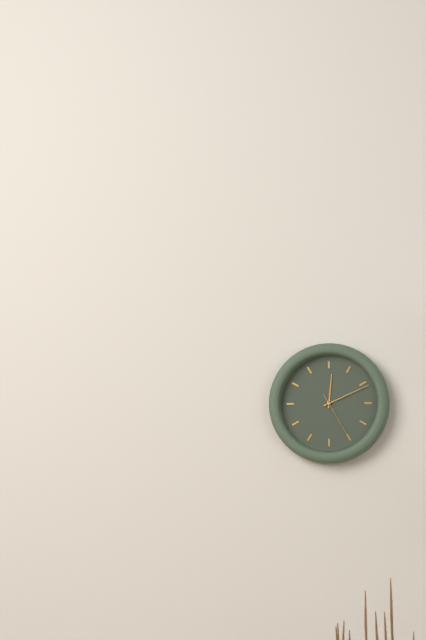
h=12 m=11 s=25
